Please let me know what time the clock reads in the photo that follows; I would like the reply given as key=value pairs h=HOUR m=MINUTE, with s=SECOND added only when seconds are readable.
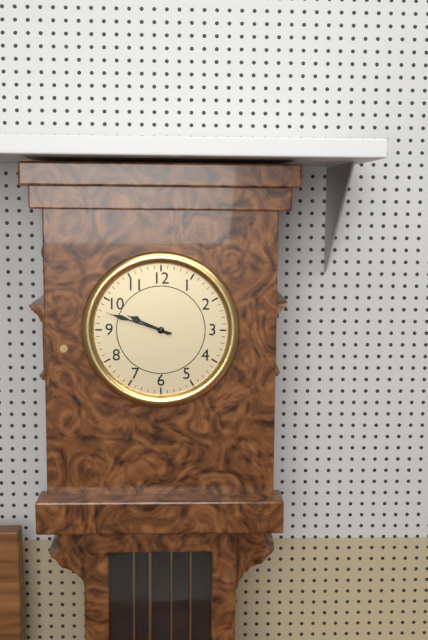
h=9 m=48
